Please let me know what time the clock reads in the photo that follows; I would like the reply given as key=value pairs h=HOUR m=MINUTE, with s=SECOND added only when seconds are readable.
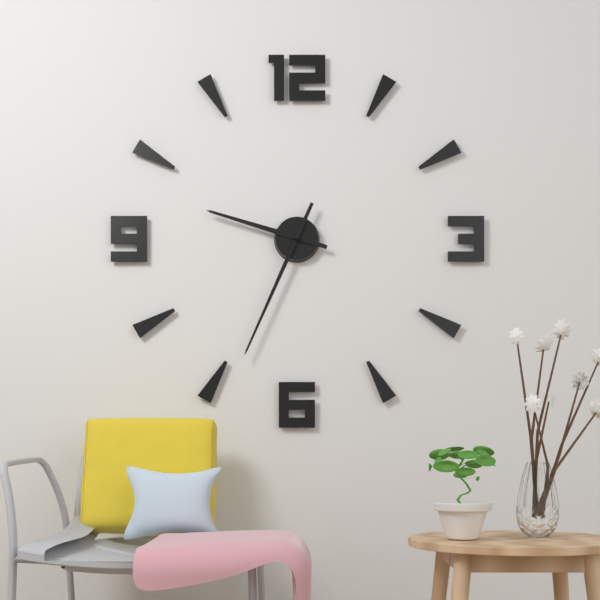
h=9 m=34
